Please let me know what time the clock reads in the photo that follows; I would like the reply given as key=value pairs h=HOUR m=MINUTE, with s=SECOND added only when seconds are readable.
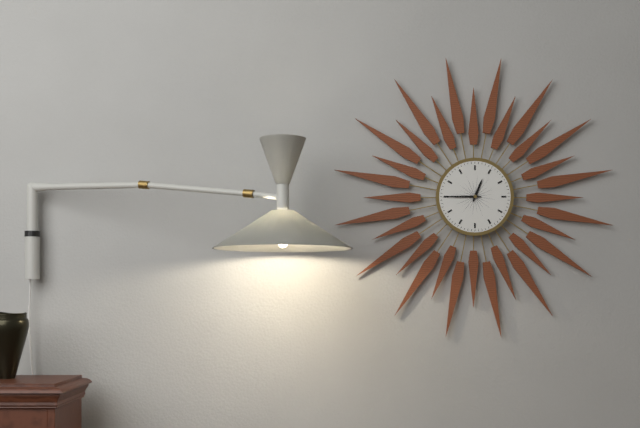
h=12 m=45
